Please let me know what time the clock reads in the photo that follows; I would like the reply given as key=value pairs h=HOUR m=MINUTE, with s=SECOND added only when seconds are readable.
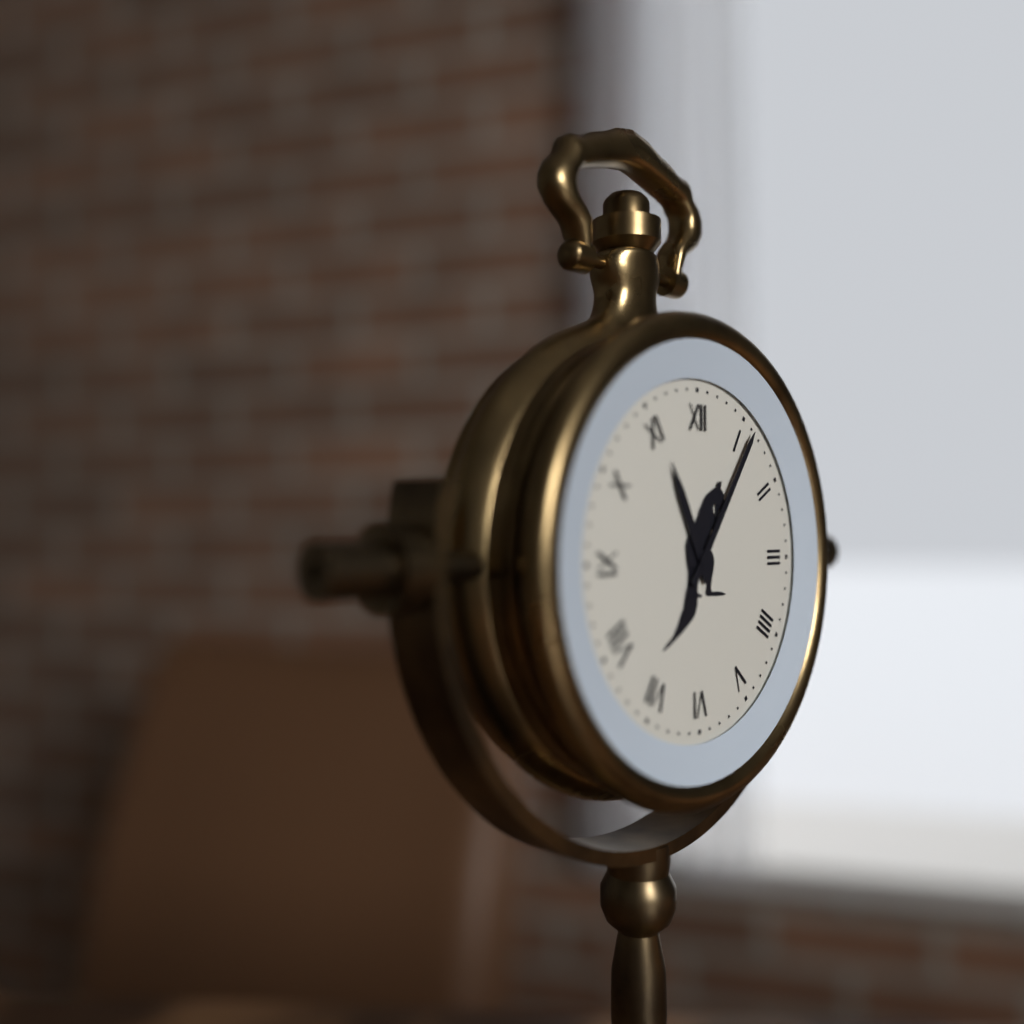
h=11 m=6
